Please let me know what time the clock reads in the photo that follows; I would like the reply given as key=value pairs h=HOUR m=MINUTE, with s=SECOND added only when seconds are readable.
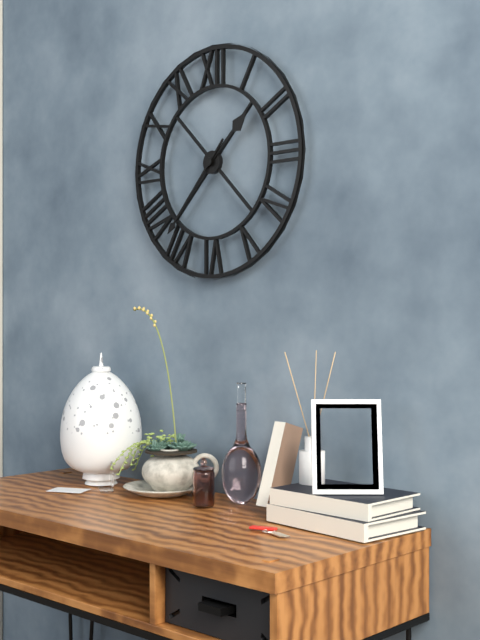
h=1 m=37
